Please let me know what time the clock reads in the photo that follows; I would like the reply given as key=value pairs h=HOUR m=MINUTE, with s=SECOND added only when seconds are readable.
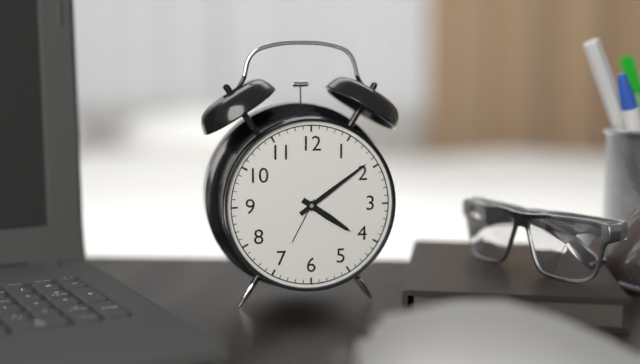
h=4 m=9
